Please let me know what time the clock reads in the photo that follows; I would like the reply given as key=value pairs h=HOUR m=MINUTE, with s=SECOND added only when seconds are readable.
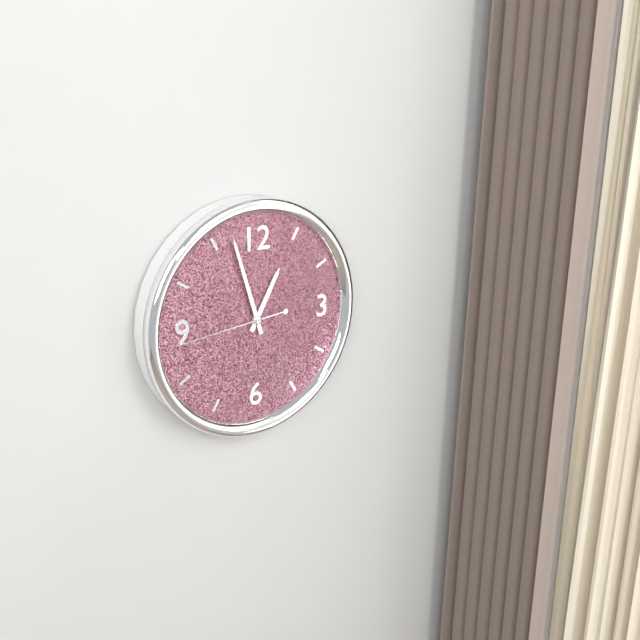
h=12 m=57 s=44
